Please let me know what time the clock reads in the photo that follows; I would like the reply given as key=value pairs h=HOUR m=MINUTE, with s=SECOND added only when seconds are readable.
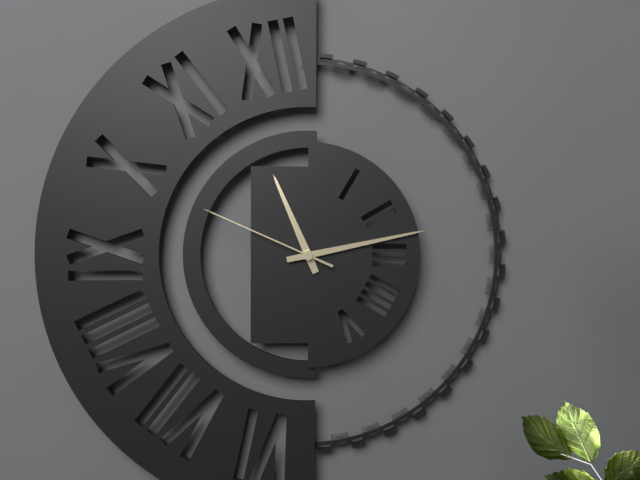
h=11 m=13 s=49
